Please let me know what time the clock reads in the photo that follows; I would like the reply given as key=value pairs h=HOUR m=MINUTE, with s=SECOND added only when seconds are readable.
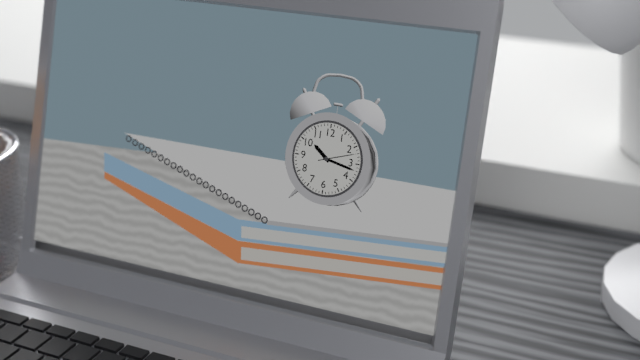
h=10 m=17
